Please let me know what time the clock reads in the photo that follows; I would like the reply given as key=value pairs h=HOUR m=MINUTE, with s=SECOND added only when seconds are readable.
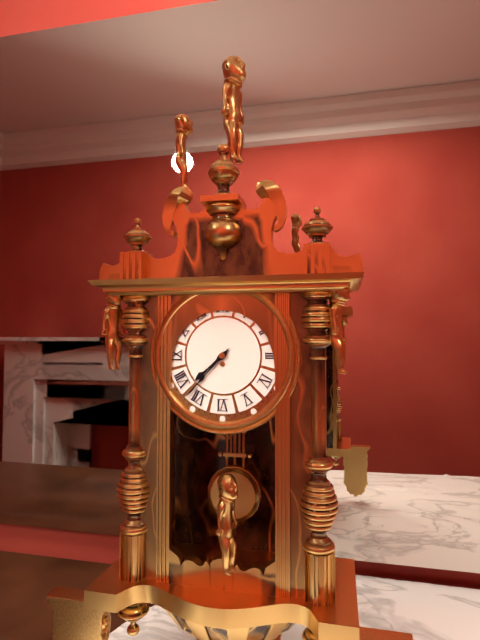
h=7 m=37
